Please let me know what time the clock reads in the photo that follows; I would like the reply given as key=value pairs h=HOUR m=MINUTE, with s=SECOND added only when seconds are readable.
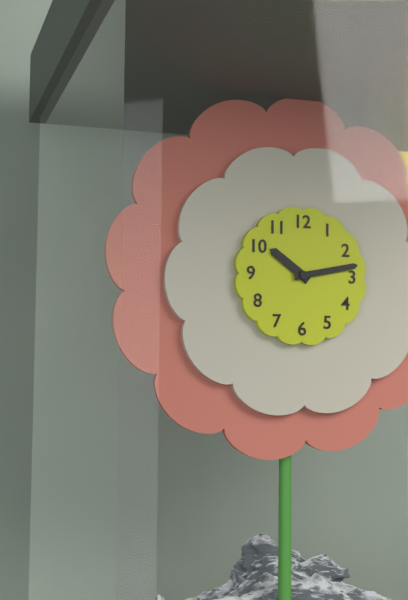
h=10 m=13
